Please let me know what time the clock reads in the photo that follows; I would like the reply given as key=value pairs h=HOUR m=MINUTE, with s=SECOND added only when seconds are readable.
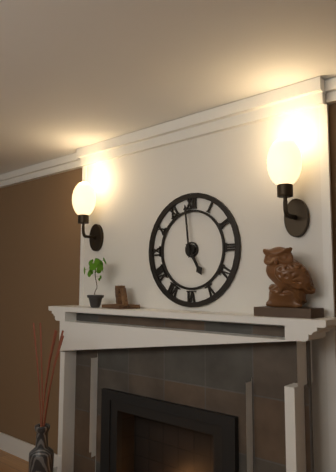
h=4 m=59
